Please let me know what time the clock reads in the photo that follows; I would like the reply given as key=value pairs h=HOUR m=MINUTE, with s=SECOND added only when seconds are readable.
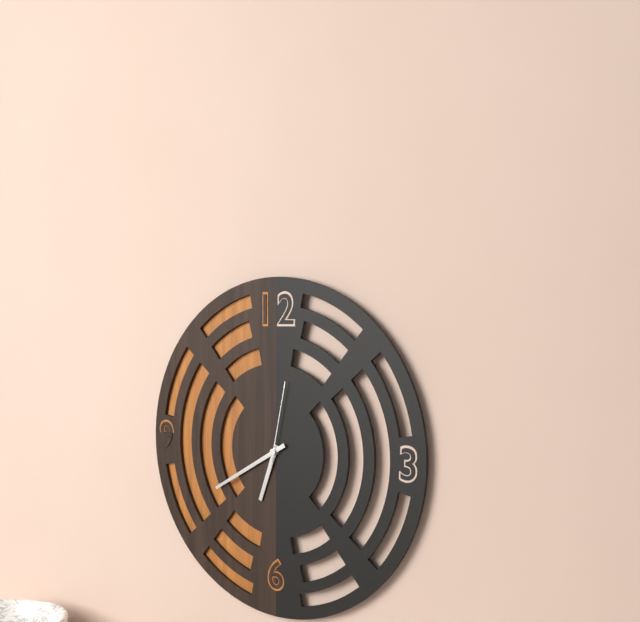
h=6 m=40 s=2
